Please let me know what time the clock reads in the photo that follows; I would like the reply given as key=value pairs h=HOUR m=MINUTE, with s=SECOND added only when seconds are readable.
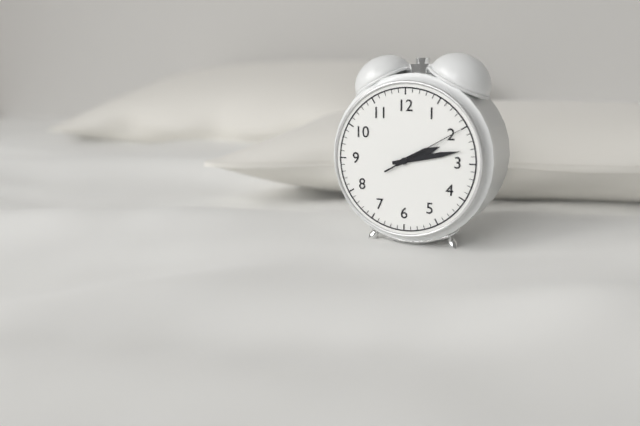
h=2 m=13 s=10
